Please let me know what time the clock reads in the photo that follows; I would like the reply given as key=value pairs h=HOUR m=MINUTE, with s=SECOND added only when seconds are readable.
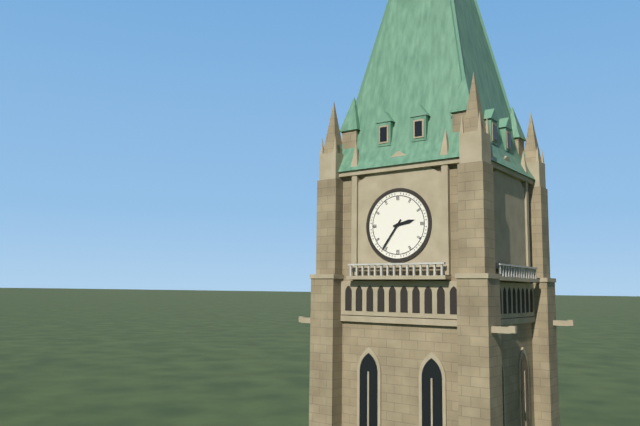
h=2 m=36
